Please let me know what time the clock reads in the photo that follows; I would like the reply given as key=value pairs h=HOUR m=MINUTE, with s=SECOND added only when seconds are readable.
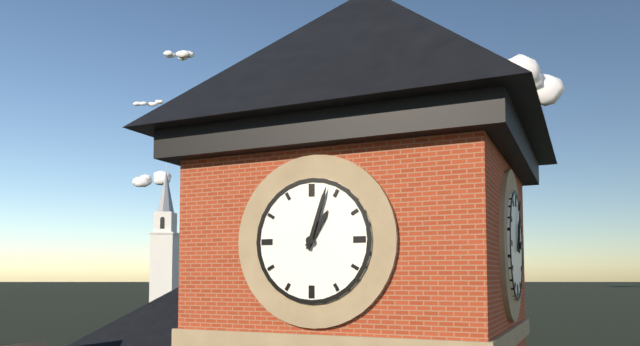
h=1 m=3
